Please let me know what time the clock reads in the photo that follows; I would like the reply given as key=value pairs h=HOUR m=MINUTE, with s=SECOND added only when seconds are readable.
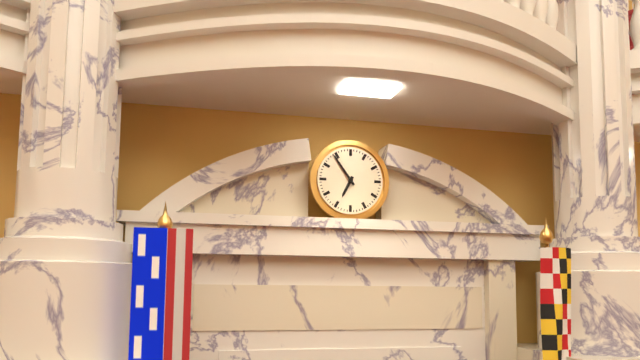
h=6 m=54
